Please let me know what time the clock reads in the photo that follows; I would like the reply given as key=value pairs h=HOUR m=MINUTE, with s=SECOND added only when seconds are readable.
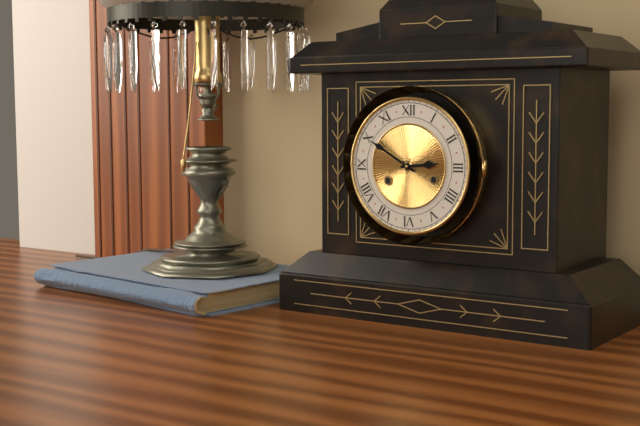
h=2 m=50
